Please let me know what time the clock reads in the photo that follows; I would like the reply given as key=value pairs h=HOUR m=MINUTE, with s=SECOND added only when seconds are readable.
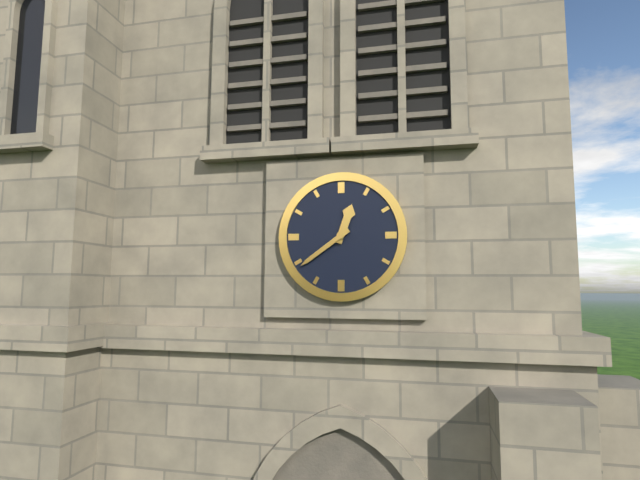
h=12 m=39
